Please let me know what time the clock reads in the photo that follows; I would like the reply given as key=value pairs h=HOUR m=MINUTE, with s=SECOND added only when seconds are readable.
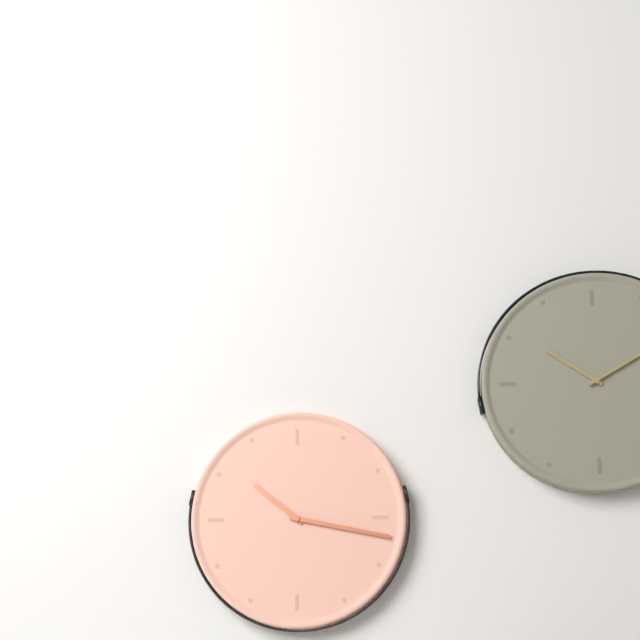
h=10 m=17
